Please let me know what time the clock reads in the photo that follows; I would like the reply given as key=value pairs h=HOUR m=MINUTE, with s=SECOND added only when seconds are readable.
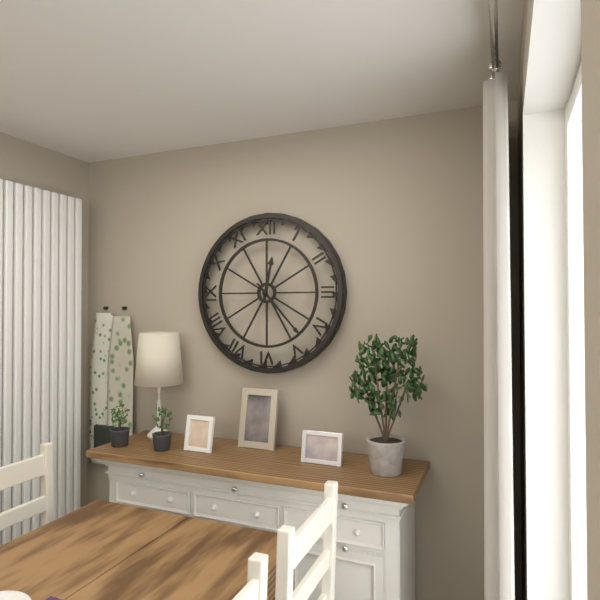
h=12 m=23
